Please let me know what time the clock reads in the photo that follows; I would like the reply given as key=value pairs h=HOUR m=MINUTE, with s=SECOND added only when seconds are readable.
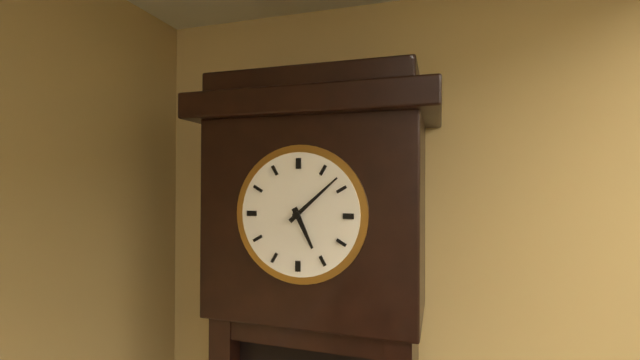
h=5 m=8
